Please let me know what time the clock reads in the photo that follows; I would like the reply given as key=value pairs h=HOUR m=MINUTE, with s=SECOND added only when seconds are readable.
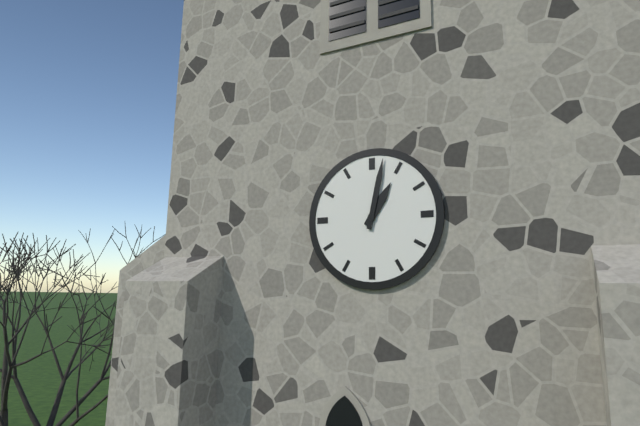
h=1 m=2
